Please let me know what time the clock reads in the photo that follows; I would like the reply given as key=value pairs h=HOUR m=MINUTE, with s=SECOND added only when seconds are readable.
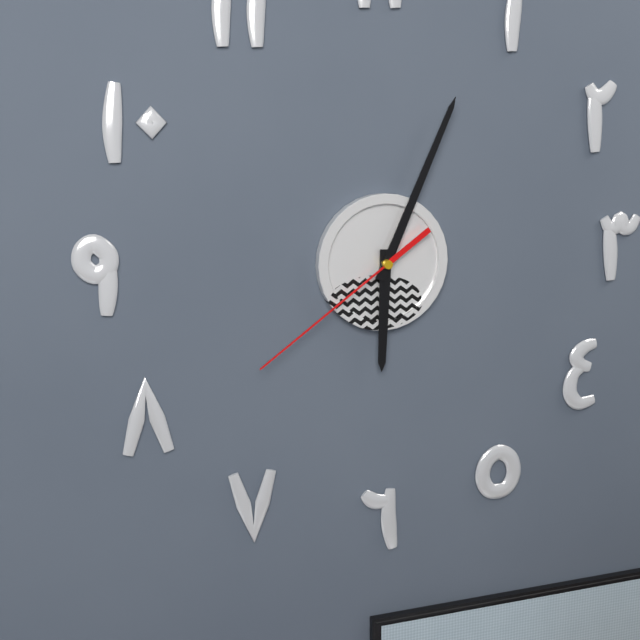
h=6 m=4 s=39
